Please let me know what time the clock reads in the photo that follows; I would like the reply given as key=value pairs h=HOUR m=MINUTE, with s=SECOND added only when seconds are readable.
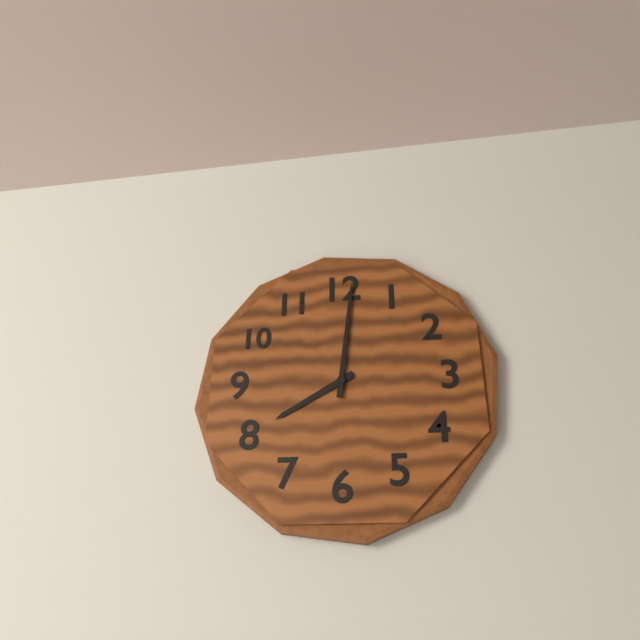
h=8 m=1
